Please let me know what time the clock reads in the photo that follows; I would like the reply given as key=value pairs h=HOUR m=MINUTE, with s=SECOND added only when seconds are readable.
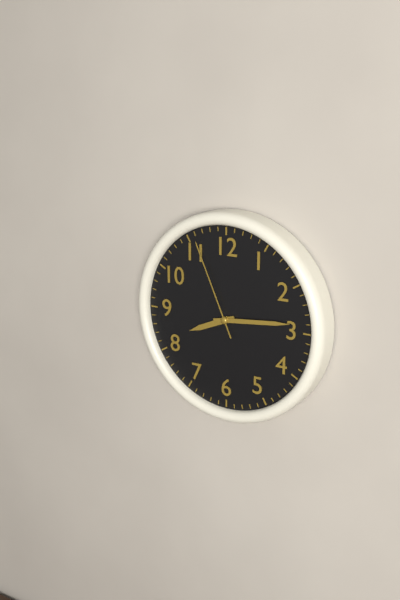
h=8 m=14 s=56
